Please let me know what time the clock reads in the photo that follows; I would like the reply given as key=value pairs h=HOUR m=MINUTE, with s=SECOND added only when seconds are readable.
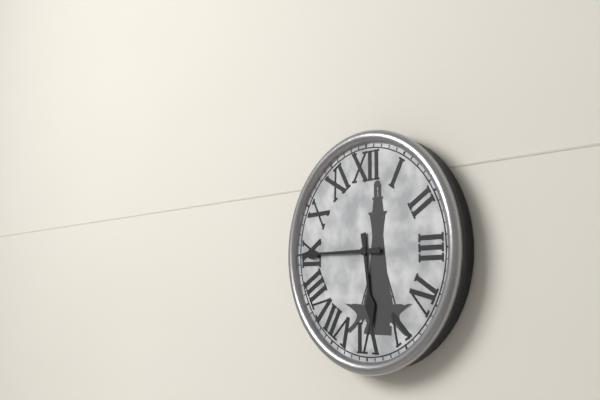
h=5 m=45
